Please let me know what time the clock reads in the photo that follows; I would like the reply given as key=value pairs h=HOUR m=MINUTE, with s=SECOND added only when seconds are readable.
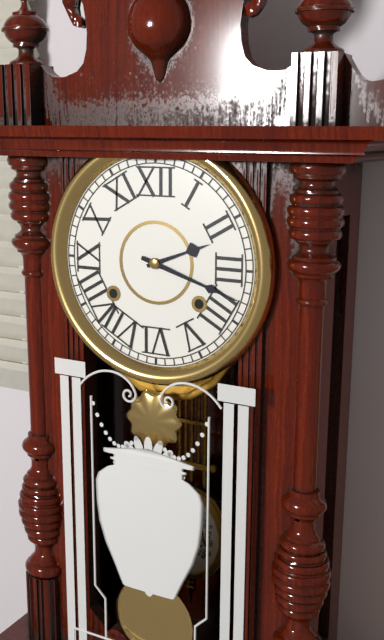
h=2 m=18
